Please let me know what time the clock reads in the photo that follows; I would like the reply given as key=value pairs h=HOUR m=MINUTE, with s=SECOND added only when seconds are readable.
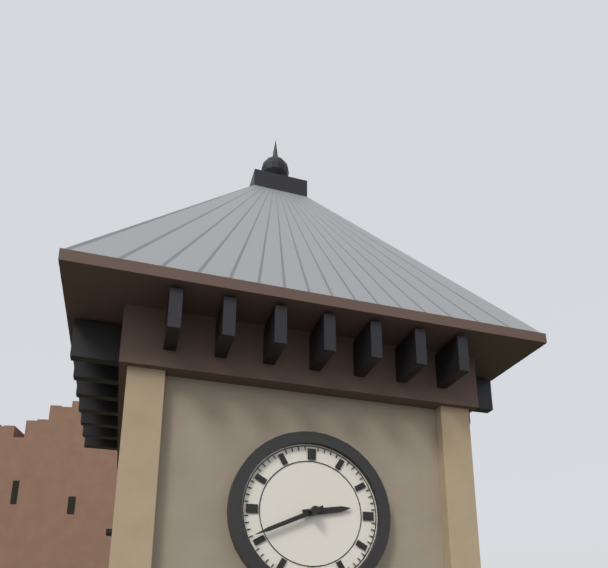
h=2 m=41
